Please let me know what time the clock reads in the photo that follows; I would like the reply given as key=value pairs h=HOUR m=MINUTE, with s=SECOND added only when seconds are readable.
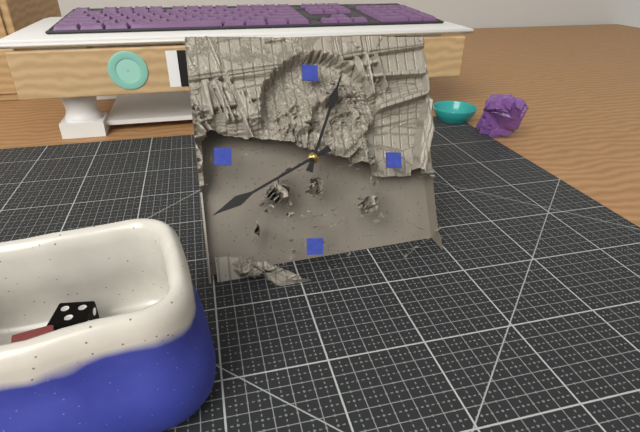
h=12 m=40
